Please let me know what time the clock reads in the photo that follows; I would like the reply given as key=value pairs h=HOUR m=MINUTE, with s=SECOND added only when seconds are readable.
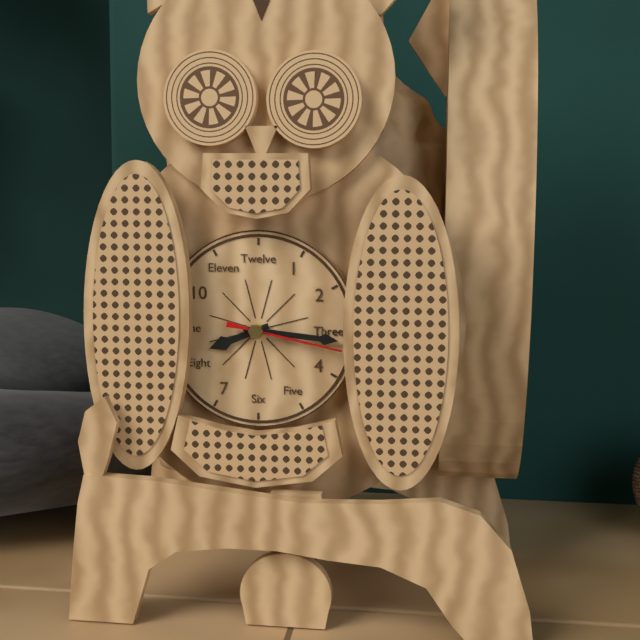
h=8 m=16 s=17
